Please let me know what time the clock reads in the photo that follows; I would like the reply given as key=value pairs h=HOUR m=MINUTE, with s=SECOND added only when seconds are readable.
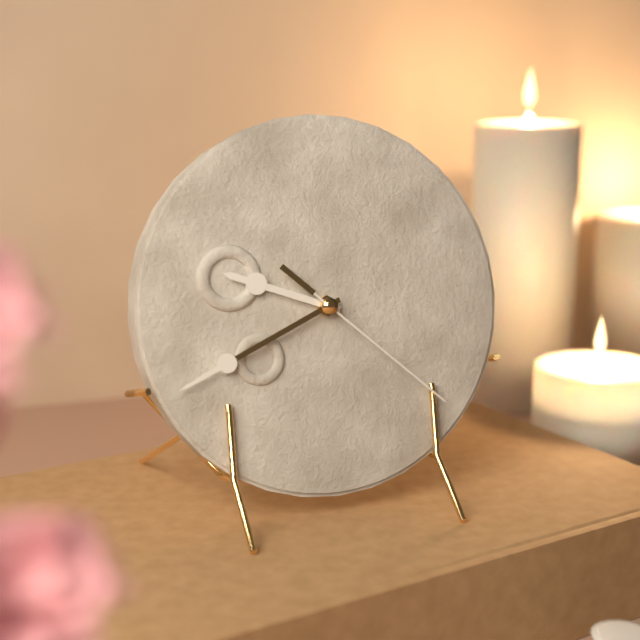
h=9 m=41 s=22
